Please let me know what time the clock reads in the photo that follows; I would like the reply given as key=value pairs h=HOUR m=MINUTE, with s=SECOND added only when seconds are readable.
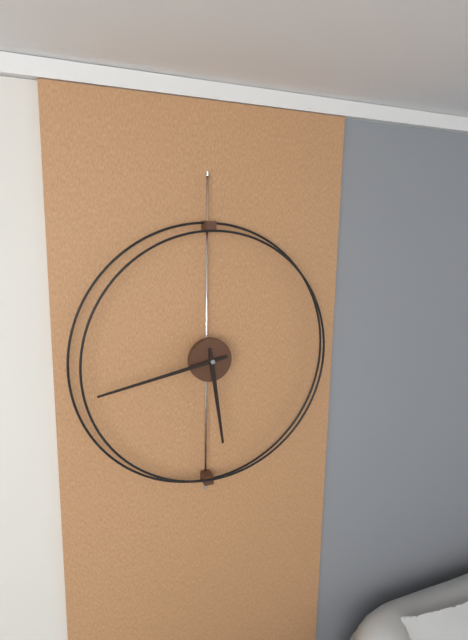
h=5 m=43
